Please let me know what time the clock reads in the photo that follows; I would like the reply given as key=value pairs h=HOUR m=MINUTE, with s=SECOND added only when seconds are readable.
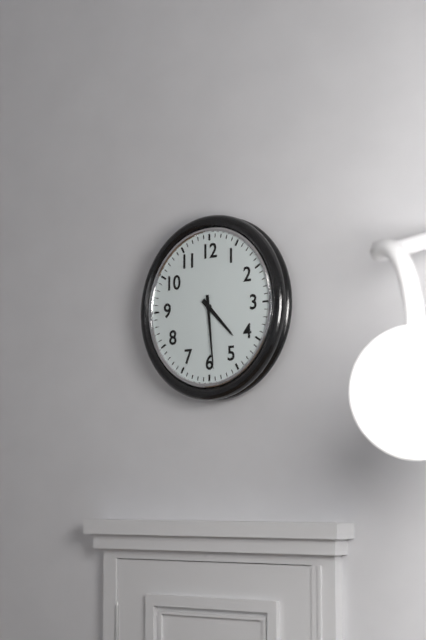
h=4 m=29
